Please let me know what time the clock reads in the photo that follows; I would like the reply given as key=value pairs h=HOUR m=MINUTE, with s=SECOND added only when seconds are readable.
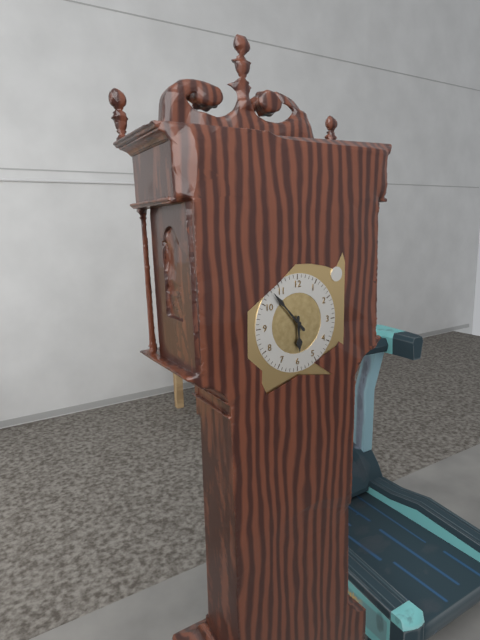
h=5 m=53
